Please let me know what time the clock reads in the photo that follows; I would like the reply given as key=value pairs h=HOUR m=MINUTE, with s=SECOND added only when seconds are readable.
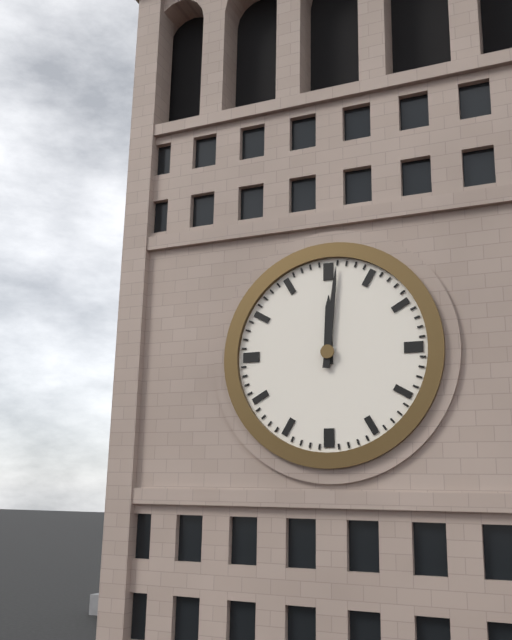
h=12 m=1
